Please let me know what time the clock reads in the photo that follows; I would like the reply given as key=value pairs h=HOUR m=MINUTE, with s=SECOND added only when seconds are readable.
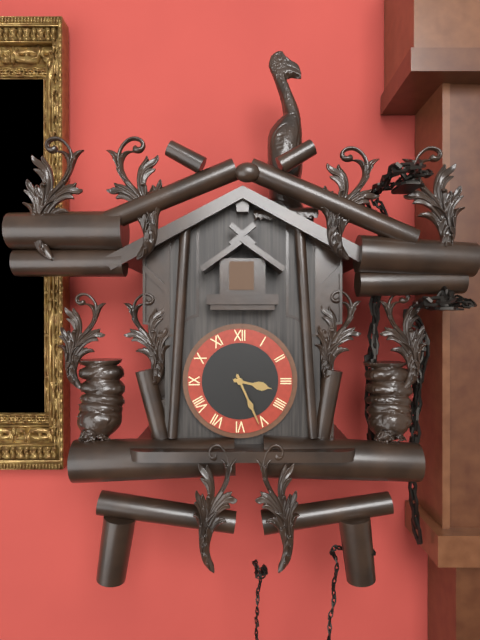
h=3 m=26
